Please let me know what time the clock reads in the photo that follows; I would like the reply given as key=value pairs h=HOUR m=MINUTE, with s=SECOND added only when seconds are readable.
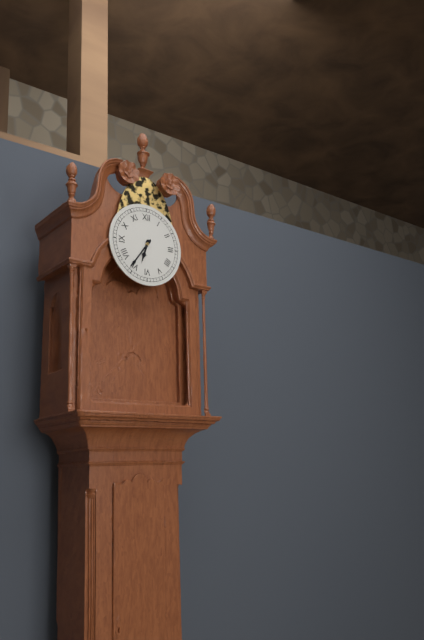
h=6 m=36
